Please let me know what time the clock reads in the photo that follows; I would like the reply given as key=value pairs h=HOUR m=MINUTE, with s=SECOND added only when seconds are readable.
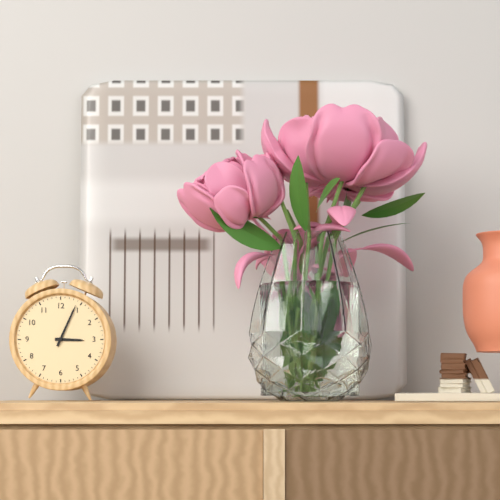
h=3 m=4
